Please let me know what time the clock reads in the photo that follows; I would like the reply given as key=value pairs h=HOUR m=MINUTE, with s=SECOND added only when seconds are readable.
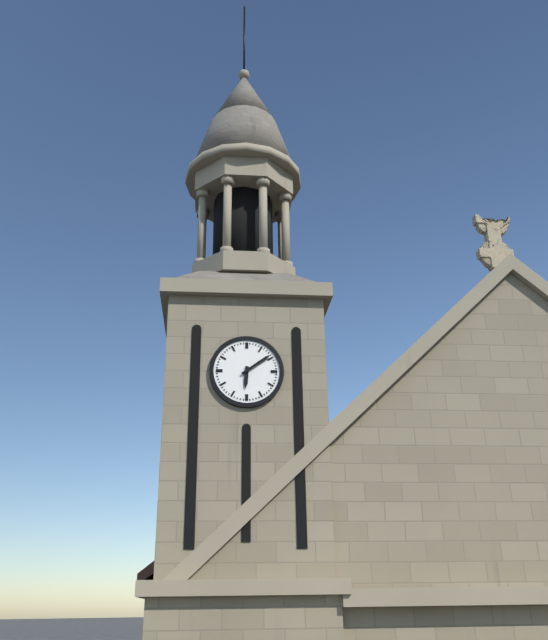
h=6 m=9
